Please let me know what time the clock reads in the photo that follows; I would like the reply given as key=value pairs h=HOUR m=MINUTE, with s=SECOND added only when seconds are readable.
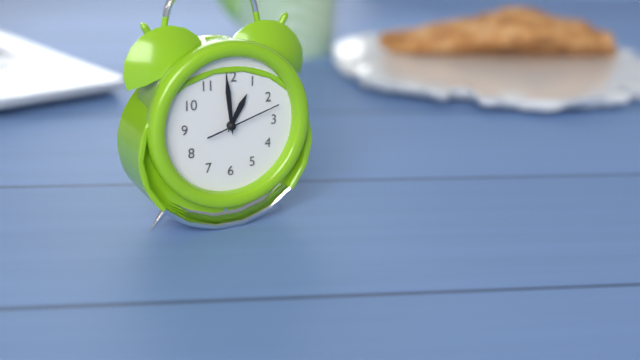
h=12 m=59 s=12
